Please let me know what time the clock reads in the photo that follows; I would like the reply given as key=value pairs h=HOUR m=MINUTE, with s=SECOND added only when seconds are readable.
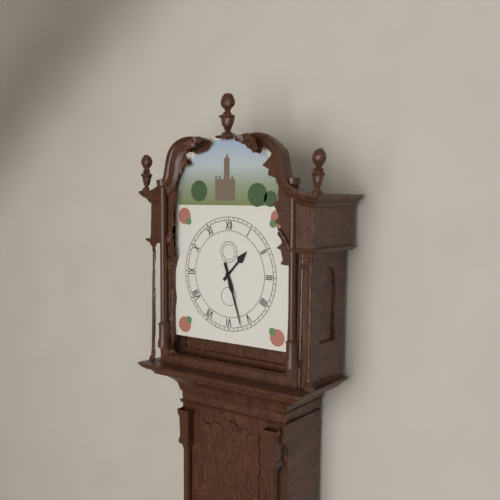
h=1 m=27
